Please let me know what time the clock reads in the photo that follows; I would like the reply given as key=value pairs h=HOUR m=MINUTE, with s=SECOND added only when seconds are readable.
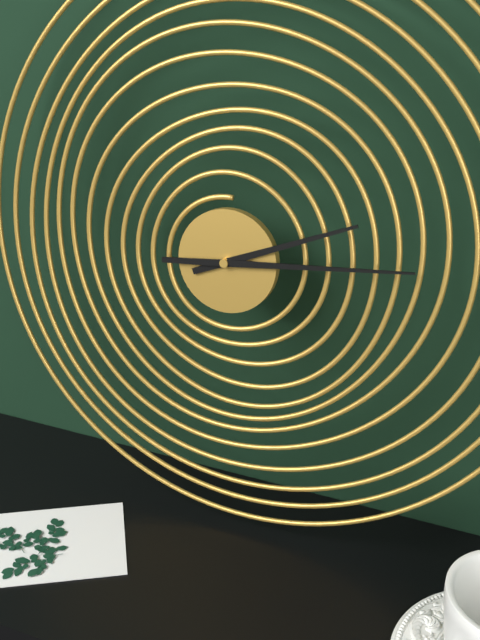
h=2 m=14
